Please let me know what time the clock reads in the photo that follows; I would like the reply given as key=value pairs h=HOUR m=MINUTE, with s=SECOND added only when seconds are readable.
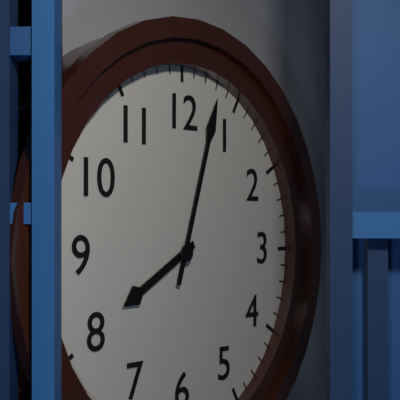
h=8 m=3
